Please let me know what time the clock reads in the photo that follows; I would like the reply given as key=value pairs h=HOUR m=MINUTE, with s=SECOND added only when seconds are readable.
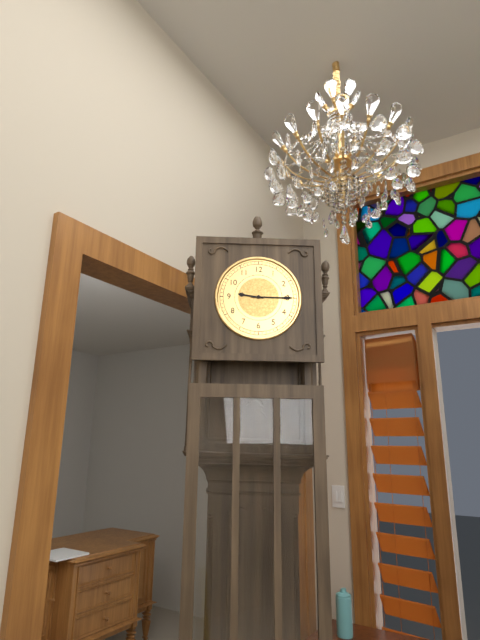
h=9 m=15
